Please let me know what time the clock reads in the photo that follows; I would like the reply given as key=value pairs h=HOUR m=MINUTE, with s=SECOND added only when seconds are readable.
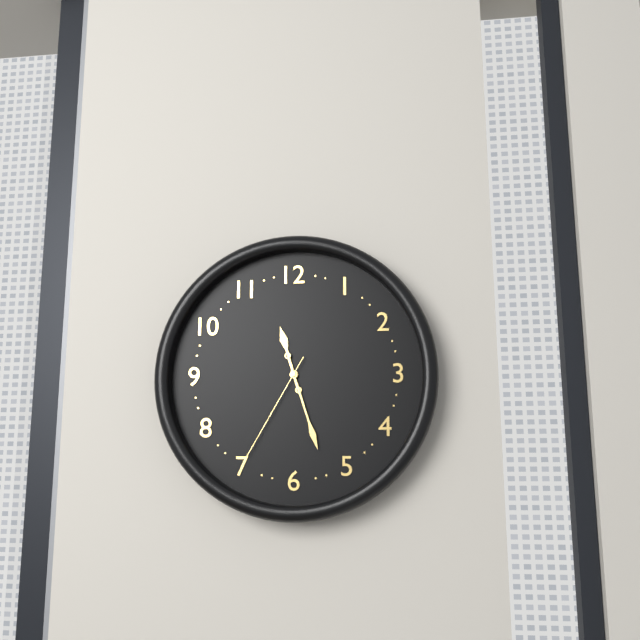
h=11 m=27 s=35
